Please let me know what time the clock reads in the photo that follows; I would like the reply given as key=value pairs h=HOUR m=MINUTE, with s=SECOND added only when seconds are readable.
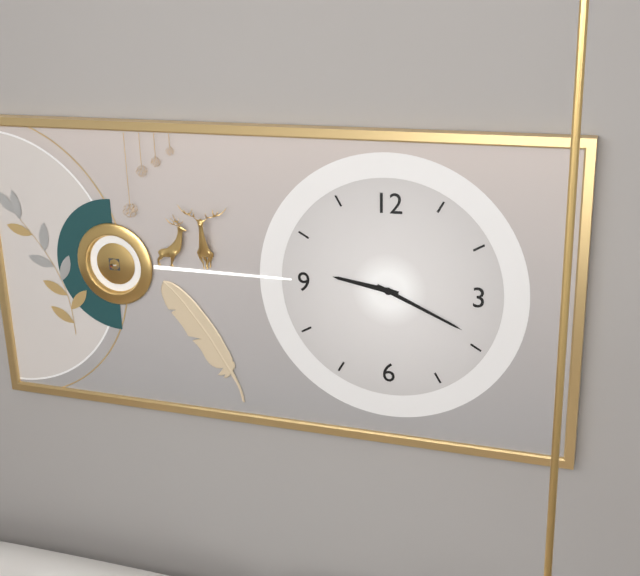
h=9 m=19
